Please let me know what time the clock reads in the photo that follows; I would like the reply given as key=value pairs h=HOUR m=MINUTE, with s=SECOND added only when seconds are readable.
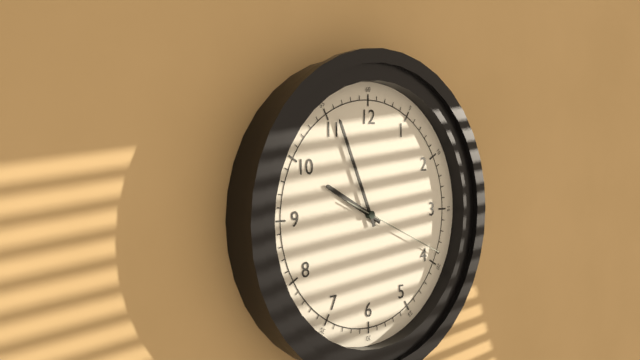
h=9 m=56 s=19
